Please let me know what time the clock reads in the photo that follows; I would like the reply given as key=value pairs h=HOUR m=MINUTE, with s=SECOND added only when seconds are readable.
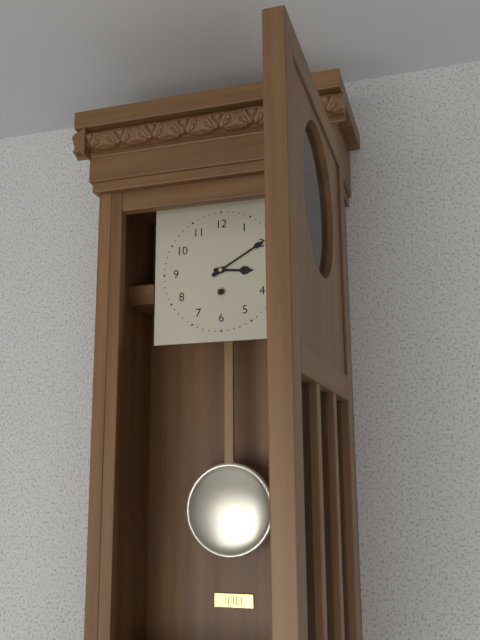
h=3 m=10
